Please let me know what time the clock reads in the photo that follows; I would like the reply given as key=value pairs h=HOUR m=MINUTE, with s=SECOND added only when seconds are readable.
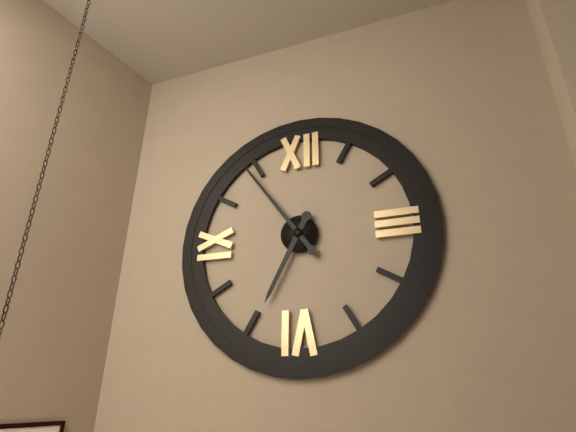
h=6 m=54
